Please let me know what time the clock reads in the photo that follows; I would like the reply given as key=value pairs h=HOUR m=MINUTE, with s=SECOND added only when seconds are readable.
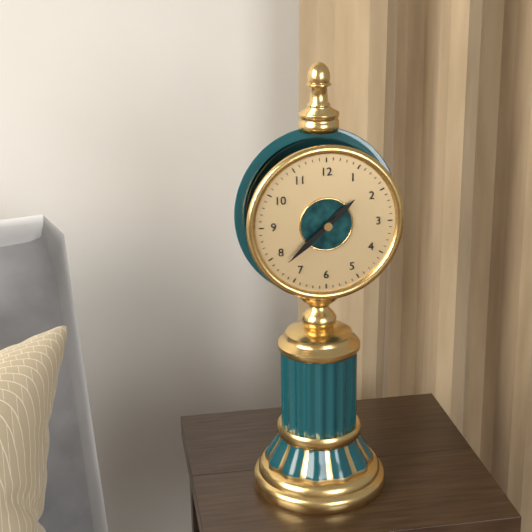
h=1 m=38
